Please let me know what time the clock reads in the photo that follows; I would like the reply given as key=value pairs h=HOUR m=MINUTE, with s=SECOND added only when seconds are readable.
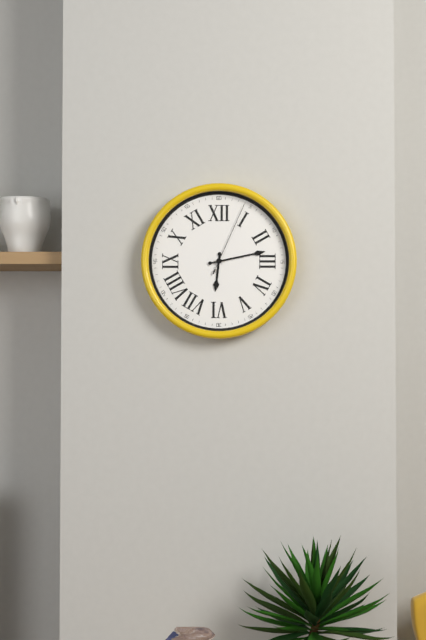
h=6 m=13 s=4
